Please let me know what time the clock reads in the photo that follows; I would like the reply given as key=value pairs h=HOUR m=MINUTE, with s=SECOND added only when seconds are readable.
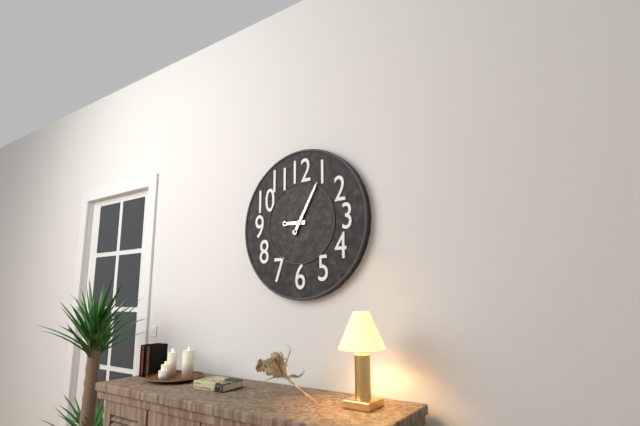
h=9 m=5
